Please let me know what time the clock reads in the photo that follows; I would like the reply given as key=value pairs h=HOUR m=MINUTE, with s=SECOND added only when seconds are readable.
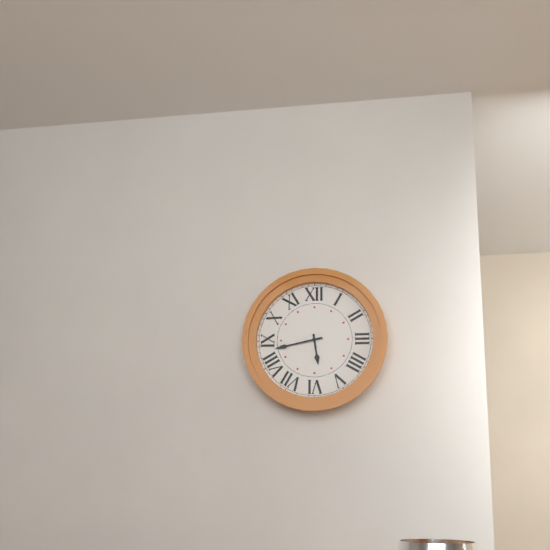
h=5 m=43
